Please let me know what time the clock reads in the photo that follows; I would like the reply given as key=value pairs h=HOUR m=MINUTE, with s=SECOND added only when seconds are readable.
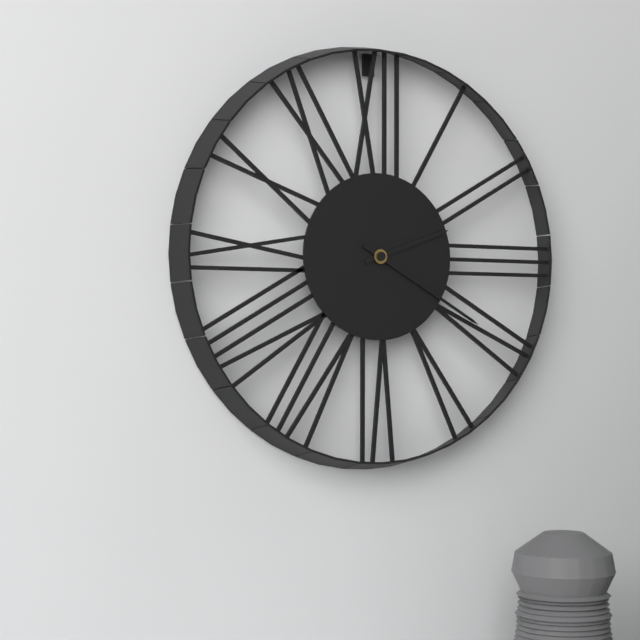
h=2 m=20
